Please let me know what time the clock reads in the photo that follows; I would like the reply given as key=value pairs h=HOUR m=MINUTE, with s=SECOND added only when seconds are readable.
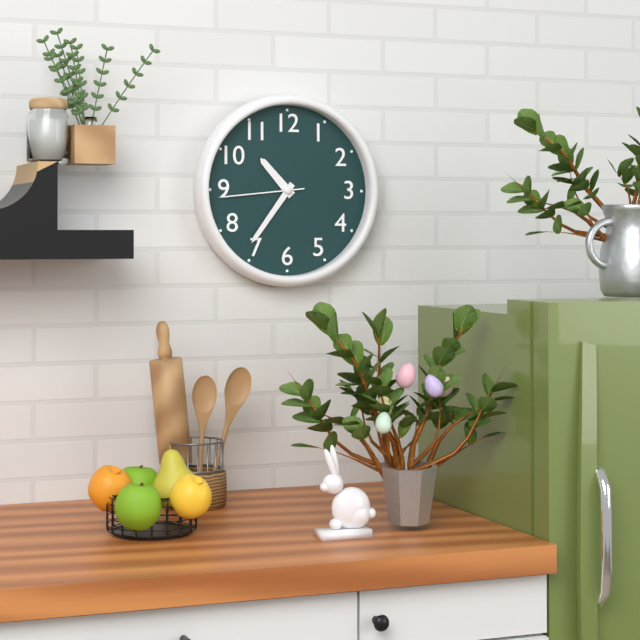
h=10 m=36 s=44
